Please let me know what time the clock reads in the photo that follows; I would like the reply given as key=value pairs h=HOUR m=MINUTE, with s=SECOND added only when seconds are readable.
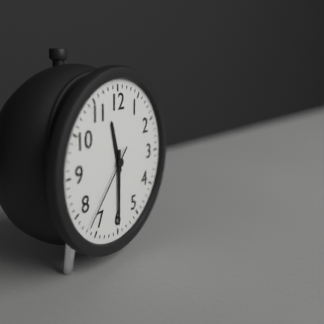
h=11 m=30 s=37
